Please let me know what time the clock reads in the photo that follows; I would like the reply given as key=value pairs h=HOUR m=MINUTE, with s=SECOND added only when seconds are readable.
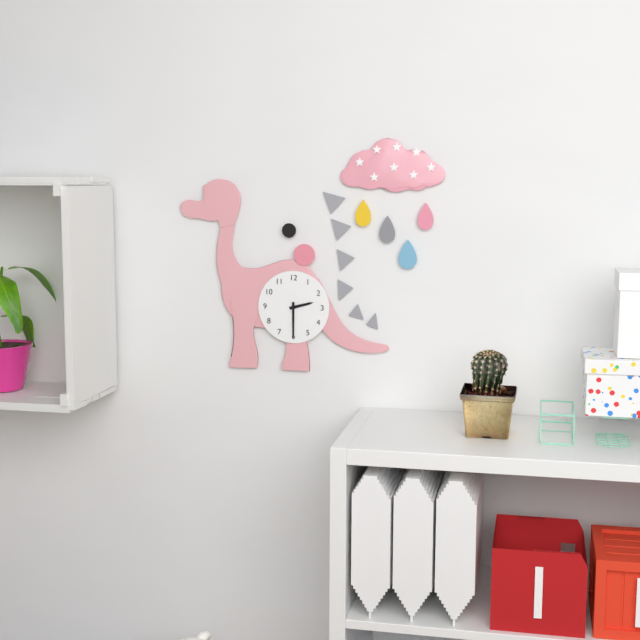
h=2 m=30
